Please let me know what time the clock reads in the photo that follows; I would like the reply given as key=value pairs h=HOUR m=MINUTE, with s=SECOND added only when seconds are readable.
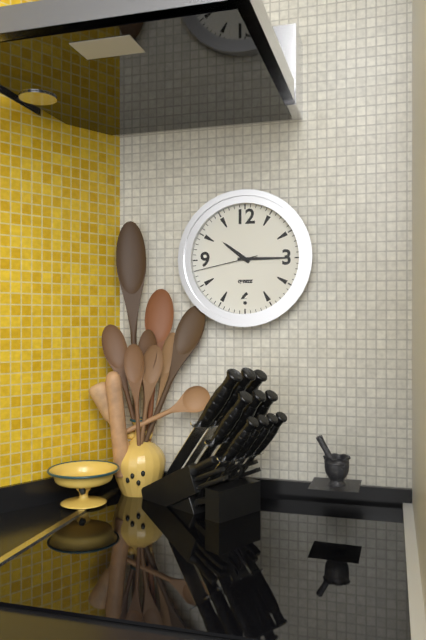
h=10 m=15 s=43
